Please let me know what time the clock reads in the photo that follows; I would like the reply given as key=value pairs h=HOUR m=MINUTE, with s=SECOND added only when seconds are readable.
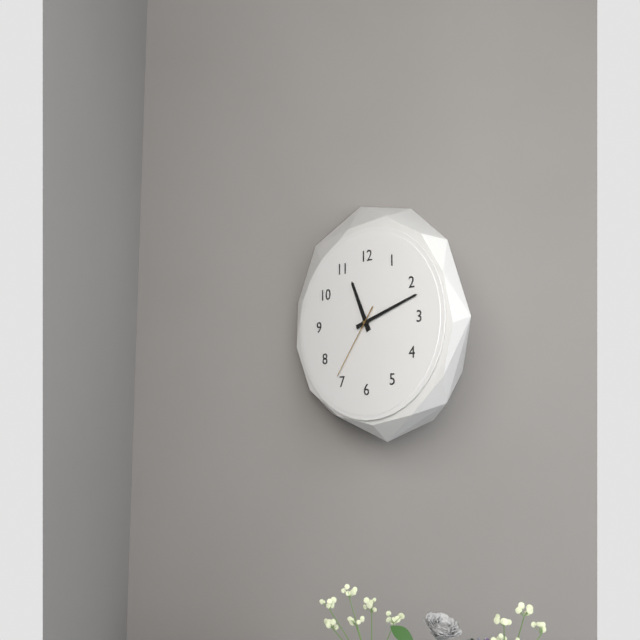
h=11 m=12 s=36
